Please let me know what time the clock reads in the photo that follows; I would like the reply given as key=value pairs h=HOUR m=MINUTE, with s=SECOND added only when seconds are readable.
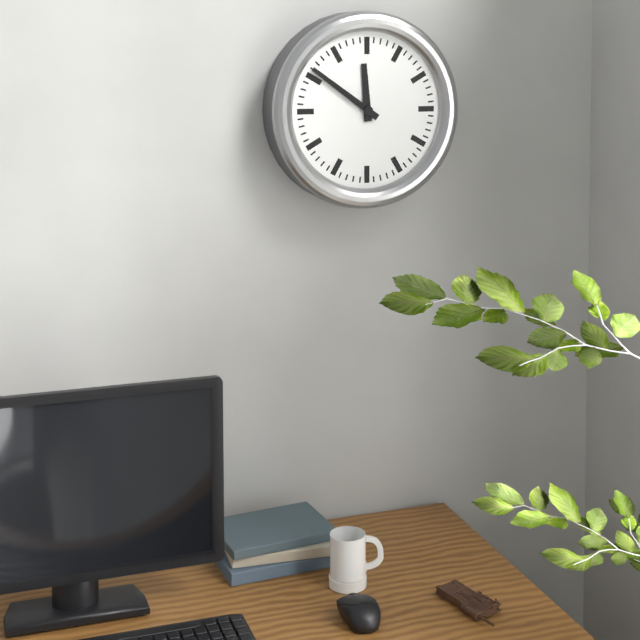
h=11 m=51
